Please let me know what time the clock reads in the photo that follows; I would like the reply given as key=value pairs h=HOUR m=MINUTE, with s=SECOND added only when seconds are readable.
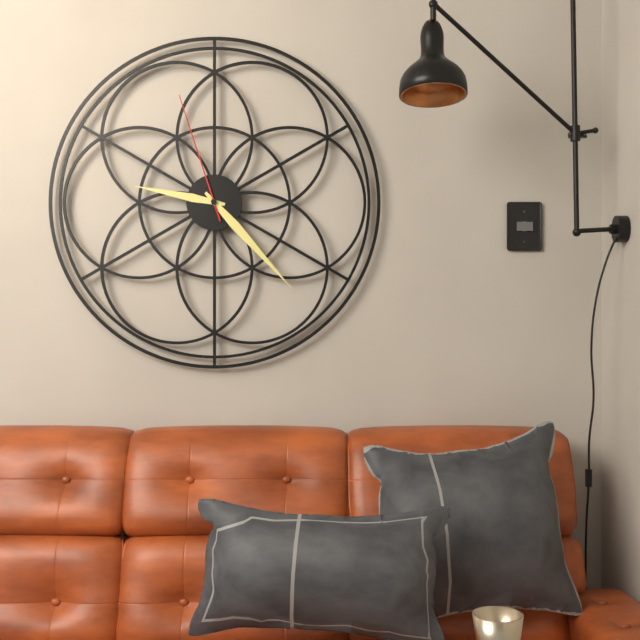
h=9 m=23 s=57
